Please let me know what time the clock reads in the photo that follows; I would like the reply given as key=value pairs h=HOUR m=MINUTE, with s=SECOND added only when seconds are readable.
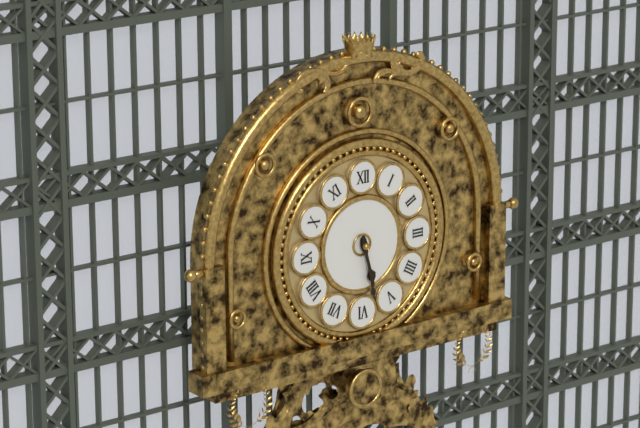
h=5 m=28
